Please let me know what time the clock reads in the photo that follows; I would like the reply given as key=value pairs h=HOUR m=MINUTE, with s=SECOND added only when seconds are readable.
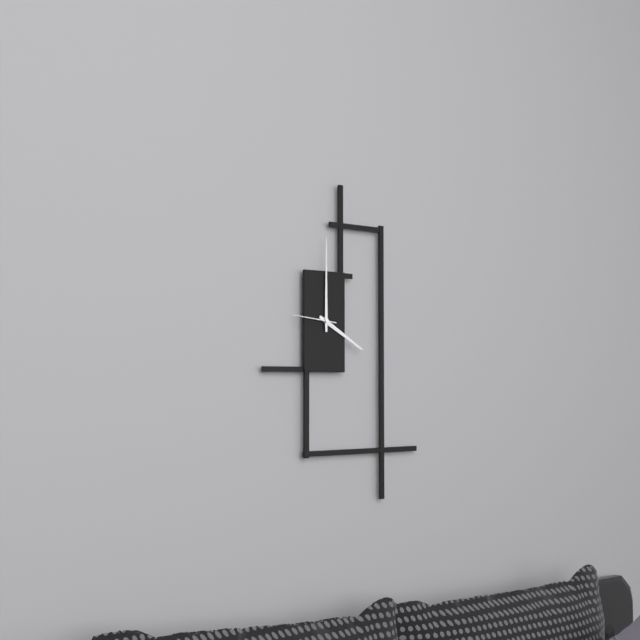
h=4 m=0
